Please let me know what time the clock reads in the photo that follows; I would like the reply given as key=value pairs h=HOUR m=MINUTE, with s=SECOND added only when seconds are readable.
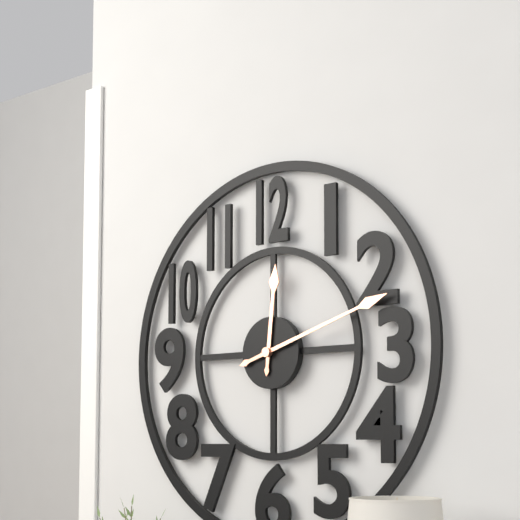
h=12 m=12
